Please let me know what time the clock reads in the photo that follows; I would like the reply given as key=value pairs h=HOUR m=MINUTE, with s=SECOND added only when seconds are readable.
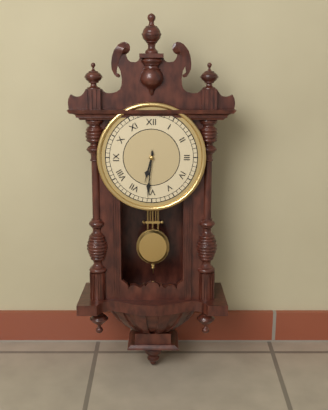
h=6 m=31
